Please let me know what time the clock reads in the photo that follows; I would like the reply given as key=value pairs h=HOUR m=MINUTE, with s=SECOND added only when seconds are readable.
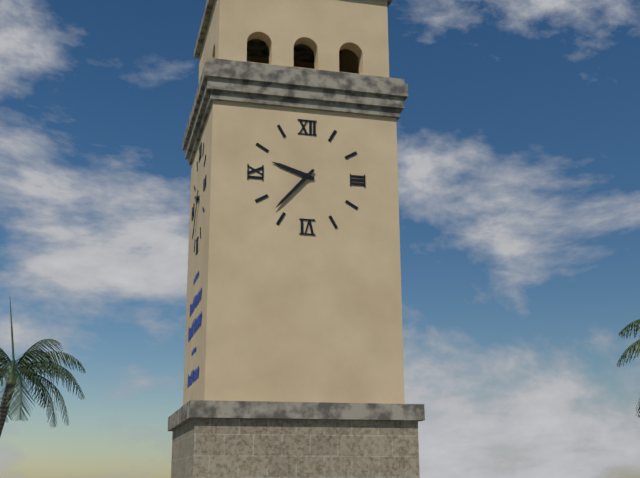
h=9 m=37
